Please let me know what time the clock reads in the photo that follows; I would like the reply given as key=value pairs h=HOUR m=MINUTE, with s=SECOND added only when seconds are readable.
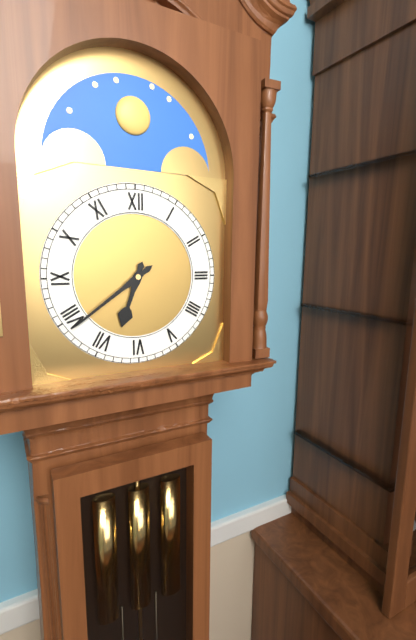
h=6 m=39
